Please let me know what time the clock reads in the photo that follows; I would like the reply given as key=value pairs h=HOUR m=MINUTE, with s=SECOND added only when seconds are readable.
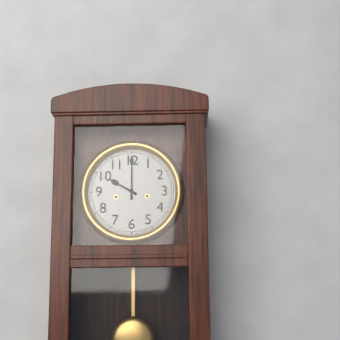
h=10 m=0
